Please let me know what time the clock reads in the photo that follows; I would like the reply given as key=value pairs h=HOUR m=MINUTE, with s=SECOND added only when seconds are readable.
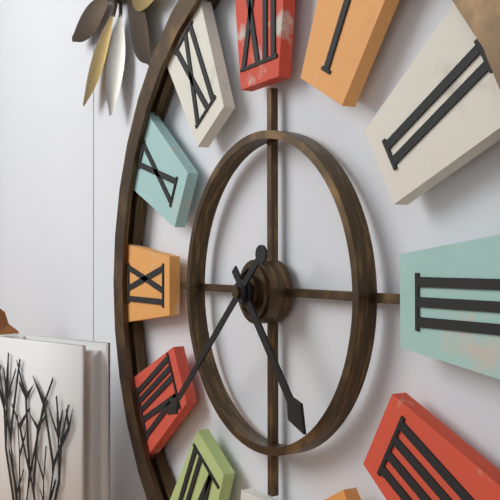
h=4 m=38
